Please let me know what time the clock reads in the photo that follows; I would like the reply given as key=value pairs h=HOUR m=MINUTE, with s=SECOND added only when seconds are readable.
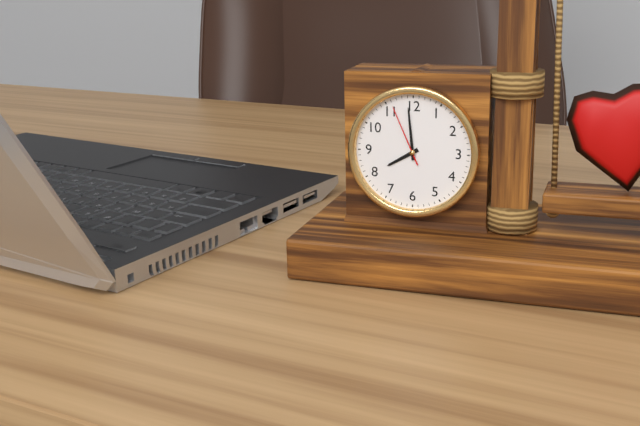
h=7 m=59 s=56
